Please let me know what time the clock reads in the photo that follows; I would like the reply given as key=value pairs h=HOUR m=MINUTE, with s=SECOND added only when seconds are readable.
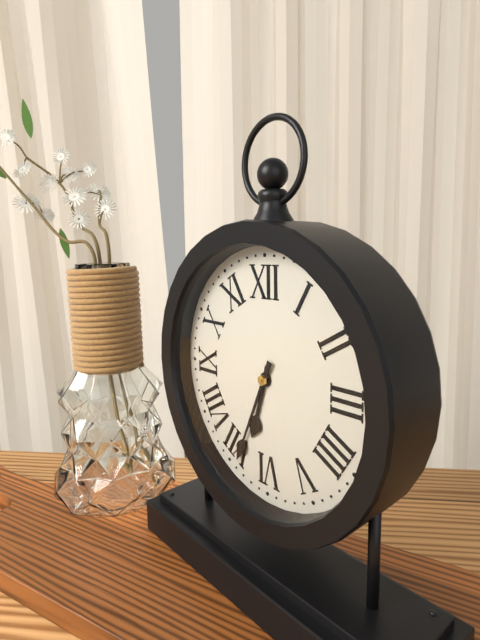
h=6 m=34
